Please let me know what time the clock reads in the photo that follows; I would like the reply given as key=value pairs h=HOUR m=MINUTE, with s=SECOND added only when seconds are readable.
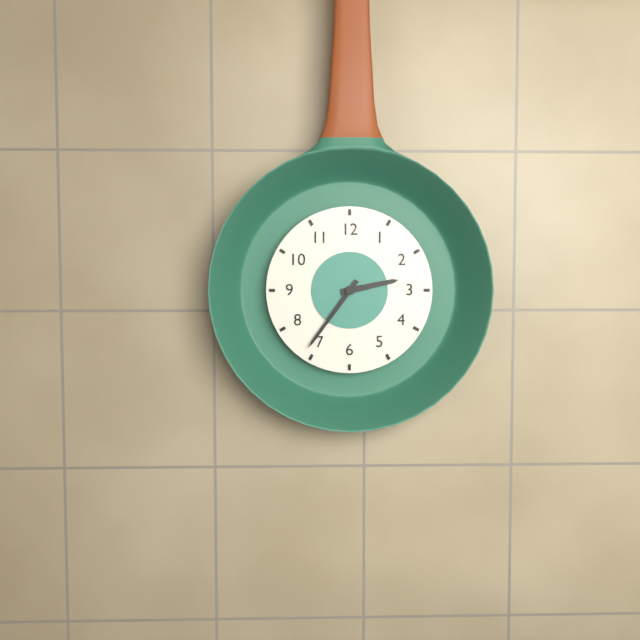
h=2 m=36
